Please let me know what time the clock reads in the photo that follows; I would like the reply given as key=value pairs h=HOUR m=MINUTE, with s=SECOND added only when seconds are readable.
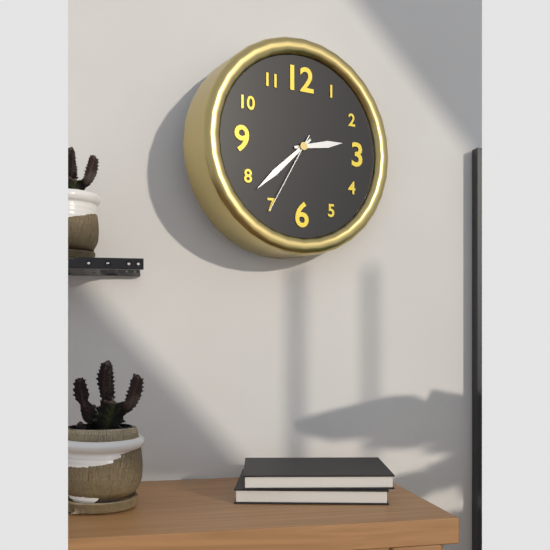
h=2 m=38 s=35
